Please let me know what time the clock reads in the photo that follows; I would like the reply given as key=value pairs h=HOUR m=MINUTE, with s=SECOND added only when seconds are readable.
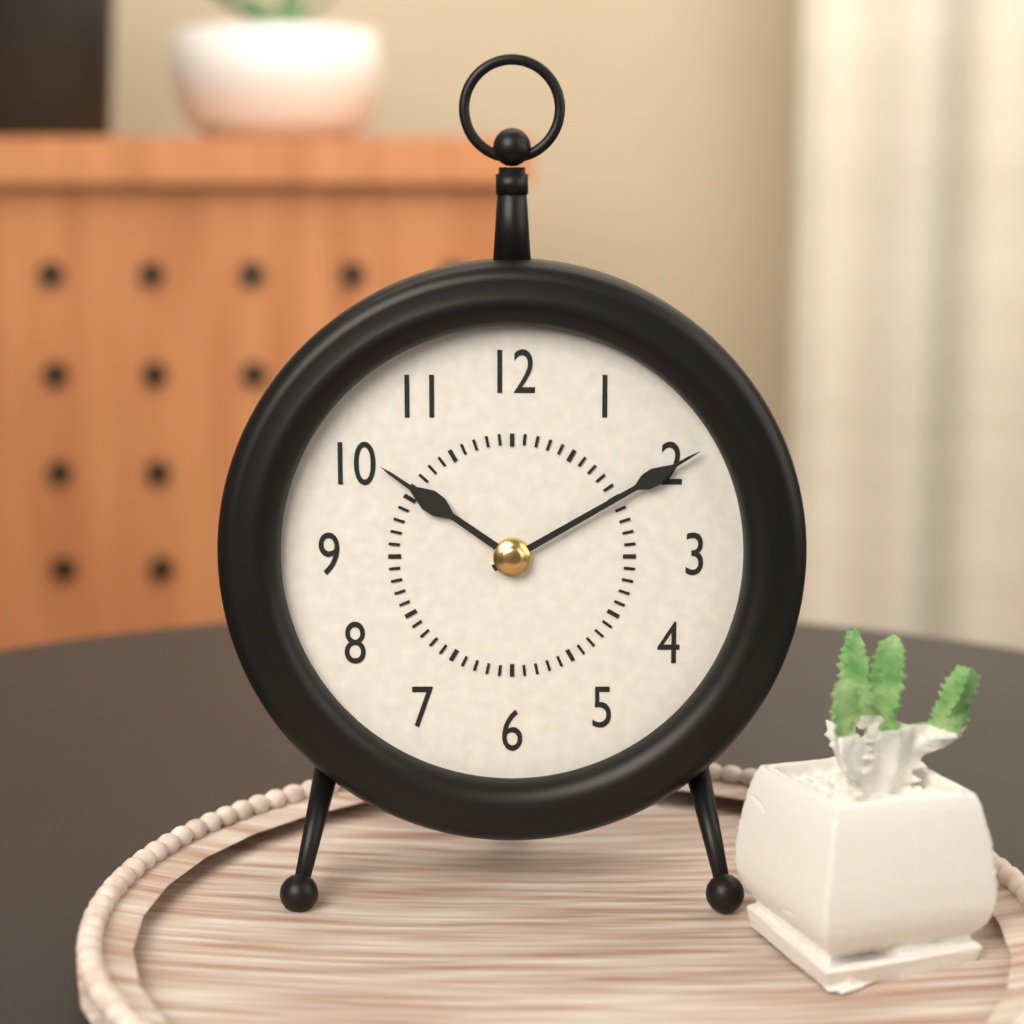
h=10 m=10
